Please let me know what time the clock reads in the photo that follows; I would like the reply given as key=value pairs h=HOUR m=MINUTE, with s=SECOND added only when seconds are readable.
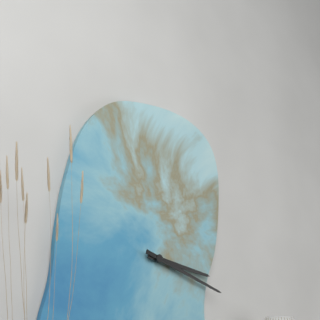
h=3 m=18
